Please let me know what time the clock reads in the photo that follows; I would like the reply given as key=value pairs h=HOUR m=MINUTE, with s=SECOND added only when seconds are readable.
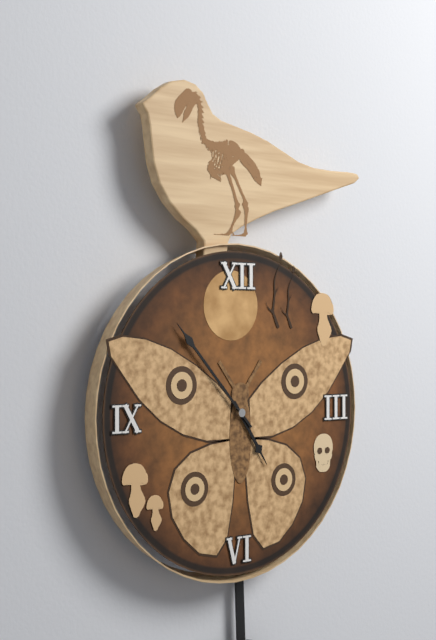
h=4 m=53
